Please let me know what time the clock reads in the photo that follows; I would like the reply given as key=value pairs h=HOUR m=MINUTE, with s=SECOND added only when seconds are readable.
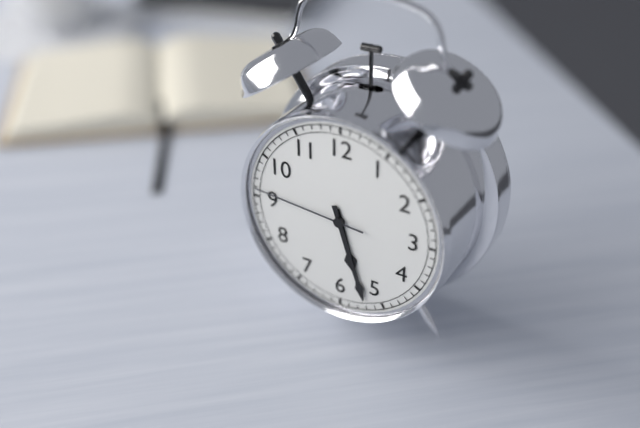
h=5 m=27 s=46
